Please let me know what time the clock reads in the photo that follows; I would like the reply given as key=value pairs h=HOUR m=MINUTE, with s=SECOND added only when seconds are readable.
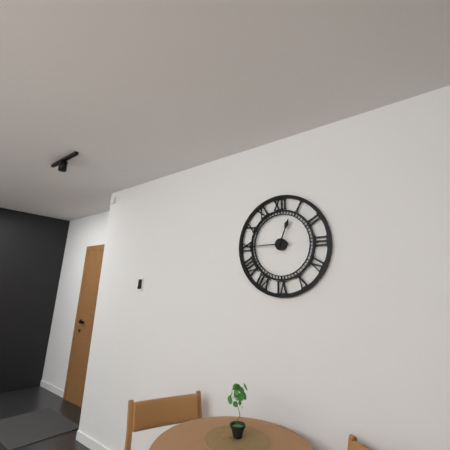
h=12 m=45
